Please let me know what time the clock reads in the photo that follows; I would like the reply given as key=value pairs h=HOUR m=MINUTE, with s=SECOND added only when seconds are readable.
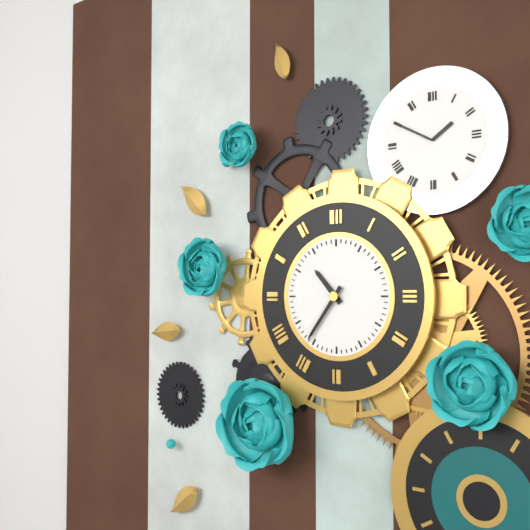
h=10 m=36
